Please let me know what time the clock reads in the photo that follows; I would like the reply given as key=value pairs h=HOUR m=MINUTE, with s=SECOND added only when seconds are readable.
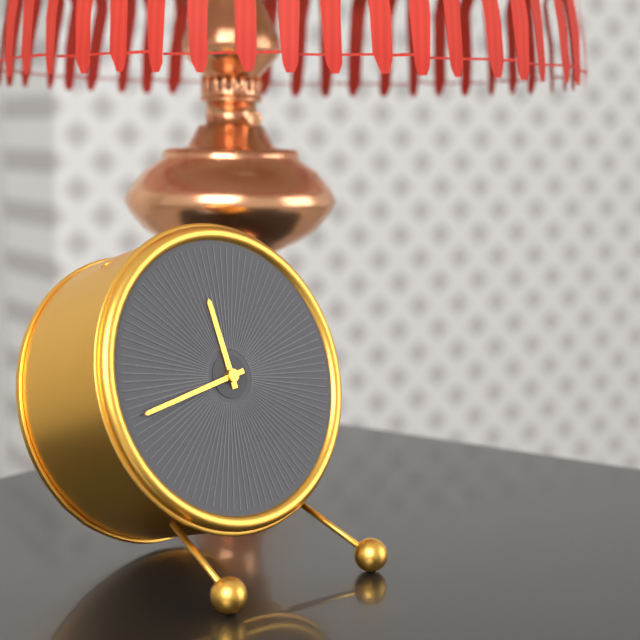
h=11 m=43
